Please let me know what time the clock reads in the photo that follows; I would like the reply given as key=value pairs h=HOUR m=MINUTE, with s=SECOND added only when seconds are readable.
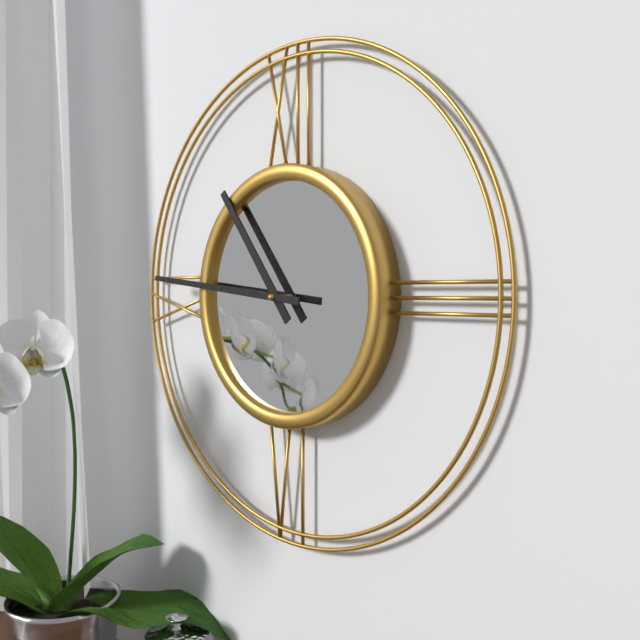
h=10 m=46
